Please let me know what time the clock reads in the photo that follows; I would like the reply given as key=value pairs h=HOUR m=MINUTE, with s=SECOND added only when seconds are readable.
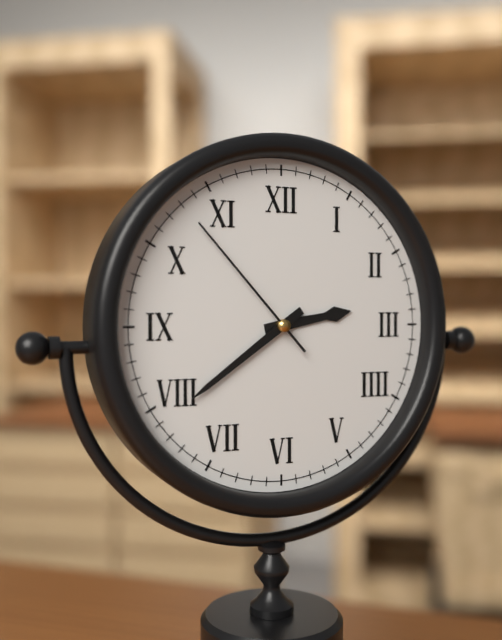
h=2 m=39 s=53
